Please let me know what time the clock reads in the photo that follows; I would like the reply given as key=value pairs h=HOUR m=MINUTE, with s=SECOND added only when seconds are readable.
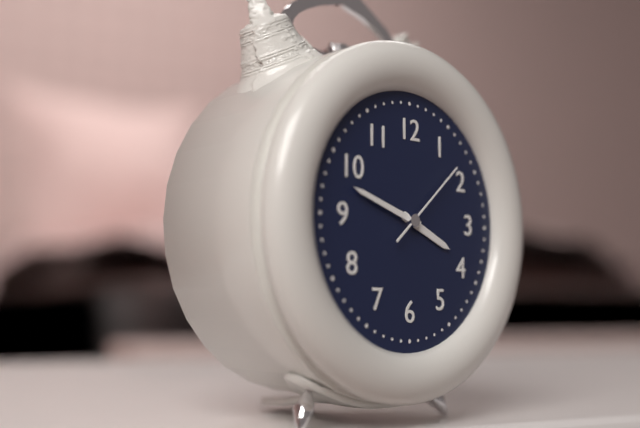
h=3 m=48 s=8
